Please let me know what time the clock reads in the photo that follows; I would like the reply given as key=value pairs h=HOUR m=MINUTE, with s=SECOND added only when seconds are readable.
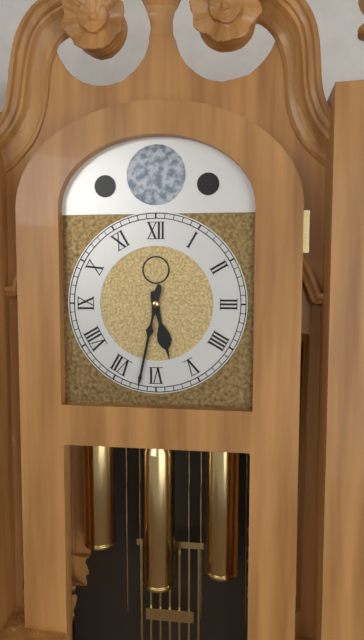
h=5 m=32
